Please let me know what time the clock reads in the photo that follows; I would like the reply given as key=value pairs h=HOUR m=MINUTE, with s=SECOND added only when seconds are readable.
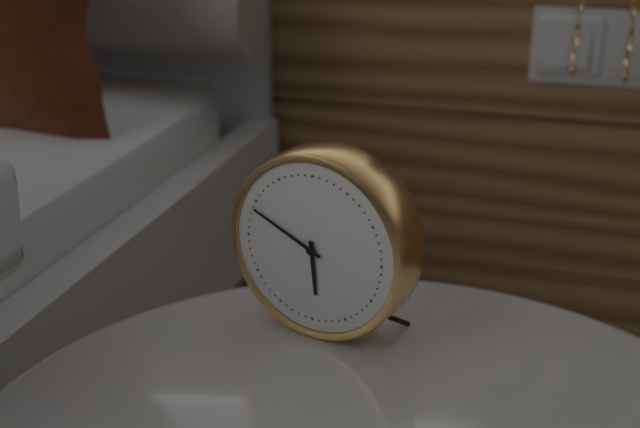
h=5 m=49
